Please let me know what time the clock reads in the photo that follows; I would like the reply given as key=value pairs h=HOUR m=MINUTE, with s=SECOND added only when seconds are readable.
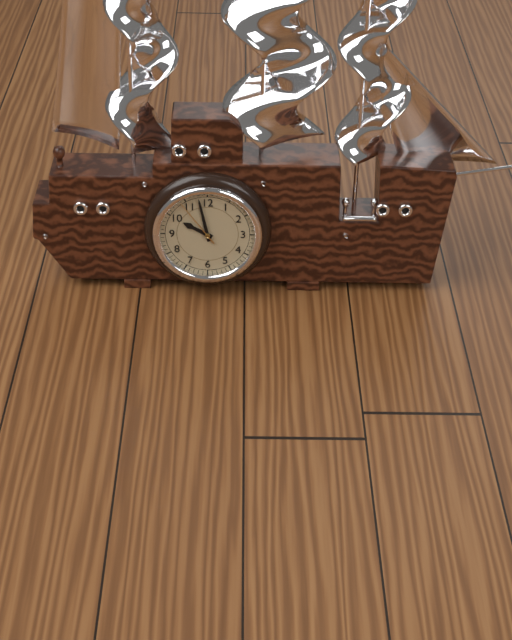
h=9 m=58
